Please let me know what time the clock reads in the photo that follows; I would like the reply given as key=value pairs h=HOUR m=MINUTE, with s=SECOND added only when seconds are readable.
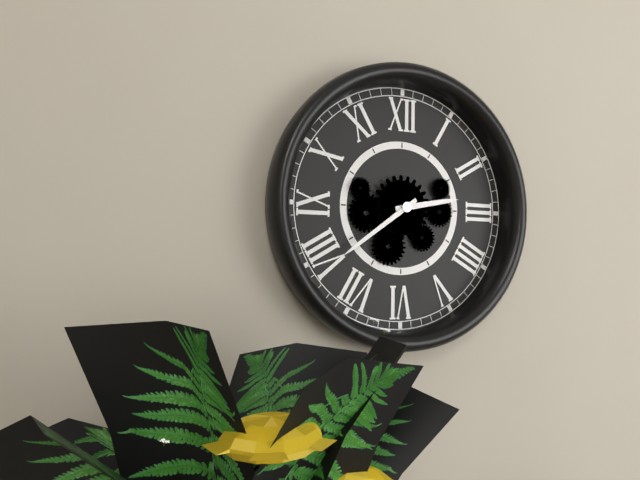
h=2 m=39
